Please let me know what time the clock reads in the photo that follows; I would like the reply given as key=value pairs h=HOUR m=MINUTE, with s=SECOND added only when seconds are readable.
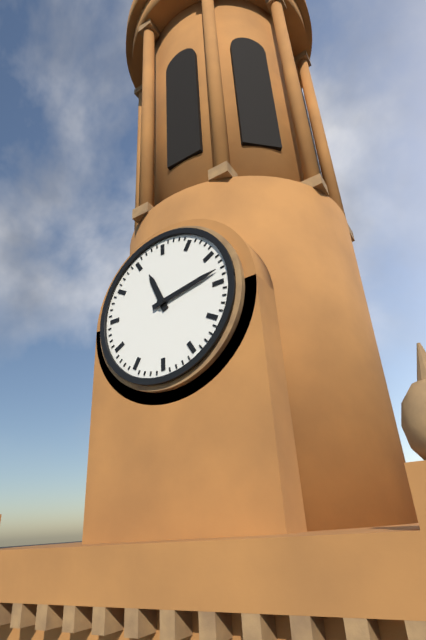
h=11 m=13
